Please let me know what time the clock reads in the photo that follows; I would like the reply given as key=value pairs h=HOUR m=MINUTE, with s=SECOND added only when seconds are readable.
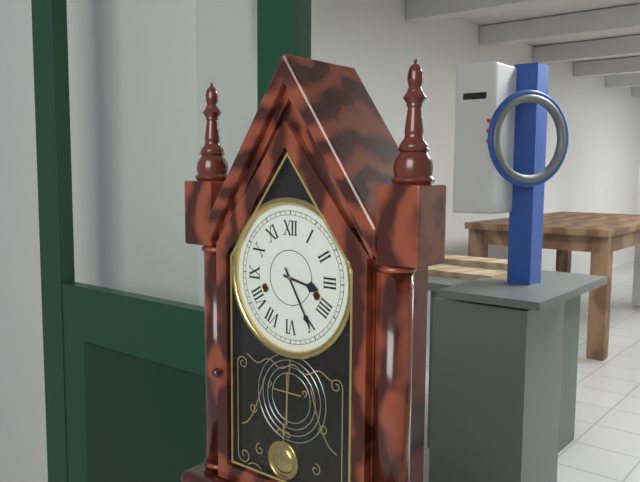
h=3 m=25
